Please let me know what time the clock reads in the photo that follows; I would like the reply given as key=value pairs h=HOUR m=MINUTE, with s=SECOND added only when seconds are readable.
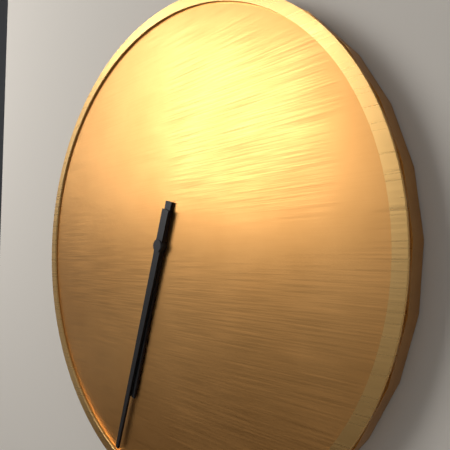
h=6 m=33
